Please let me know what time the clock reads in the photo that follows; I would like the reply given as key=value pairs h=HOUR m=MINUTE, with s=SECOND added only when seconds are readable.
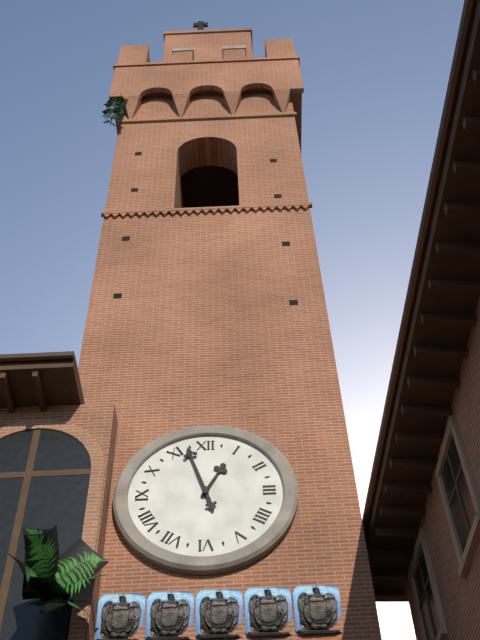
h=12 m=57
